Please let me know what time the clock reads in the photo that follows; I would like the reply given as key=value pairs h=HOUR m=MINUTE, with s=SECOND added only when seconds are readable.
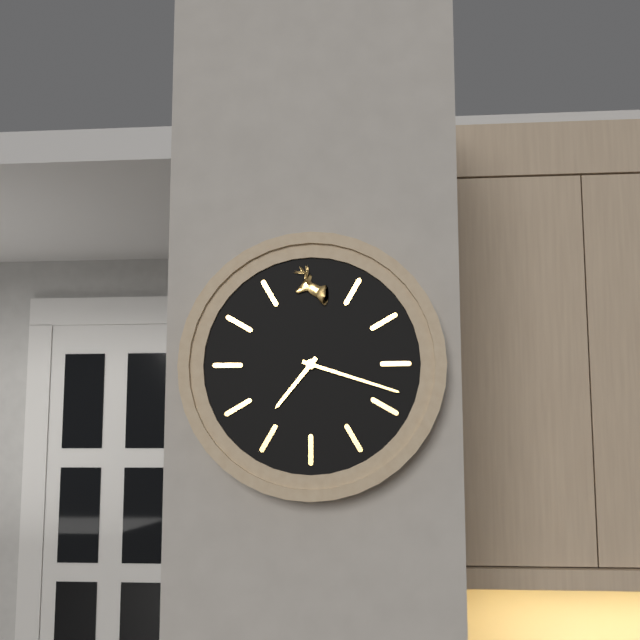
h=7 m=18
